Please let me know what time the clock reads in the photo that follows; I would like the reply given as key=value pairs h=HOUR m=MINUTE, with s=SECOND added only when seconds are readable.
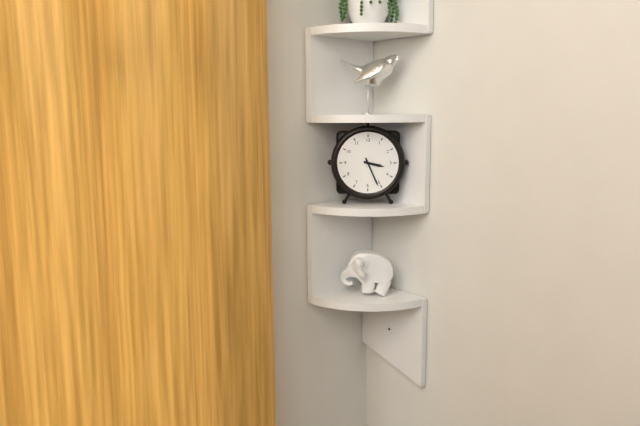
h=3 m=26
